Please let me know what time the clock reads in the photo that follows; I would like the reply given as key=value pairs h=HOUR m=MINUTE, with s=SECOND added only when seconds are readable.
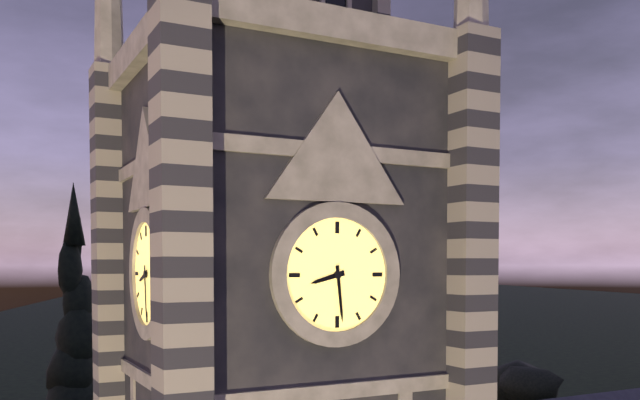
h=8 m=29
